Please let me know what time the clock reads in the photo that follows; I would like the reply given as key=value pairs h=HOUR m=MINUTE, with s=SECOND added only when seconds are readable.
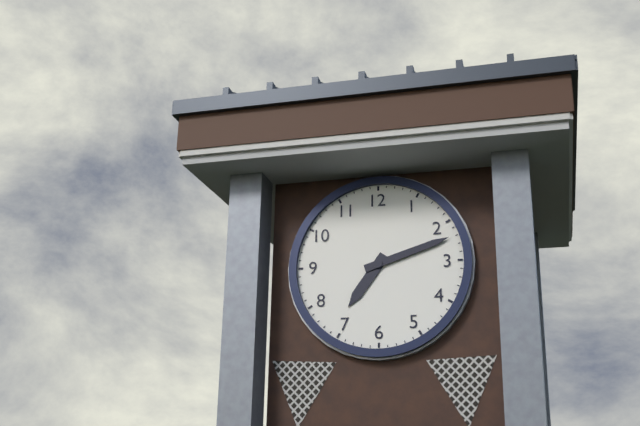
h=7 m=12
